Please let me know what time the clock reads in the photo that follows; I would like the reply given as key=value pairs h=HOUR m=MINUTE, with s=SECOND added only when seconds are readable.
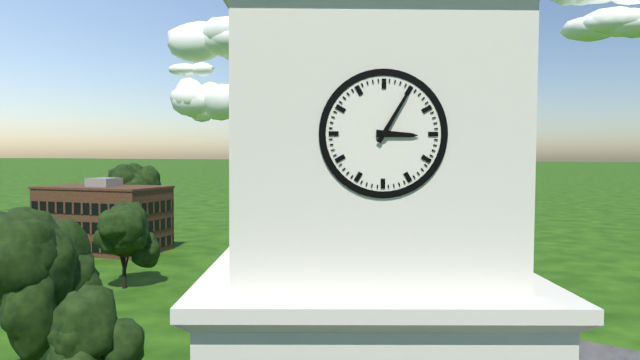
h=3 m=5
